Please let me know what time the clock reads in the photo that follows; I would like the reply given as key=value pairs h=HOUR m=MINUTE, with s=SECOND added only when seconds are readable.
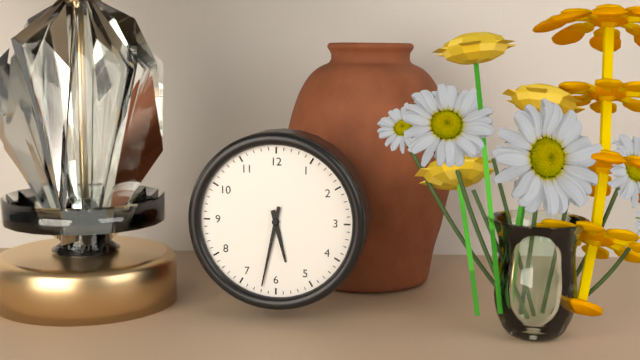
h=5 m=32
